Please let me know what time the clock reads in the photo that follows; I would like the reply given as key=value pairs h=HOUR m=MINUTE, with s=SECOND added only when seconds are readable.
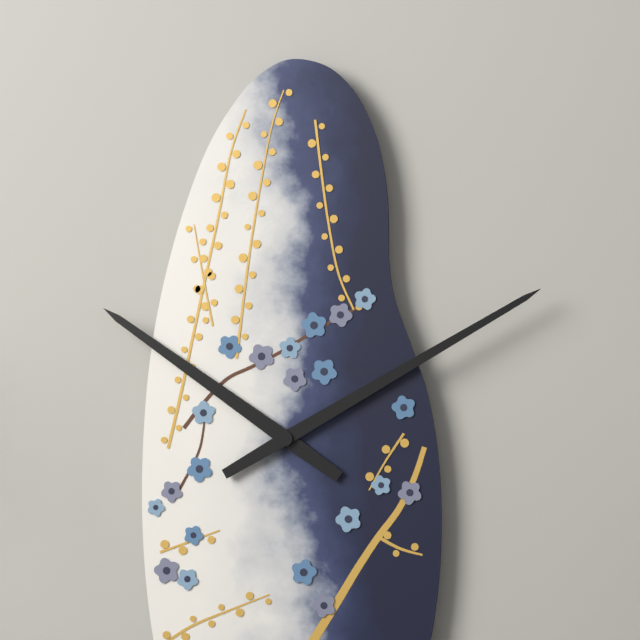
h=10 m=10
